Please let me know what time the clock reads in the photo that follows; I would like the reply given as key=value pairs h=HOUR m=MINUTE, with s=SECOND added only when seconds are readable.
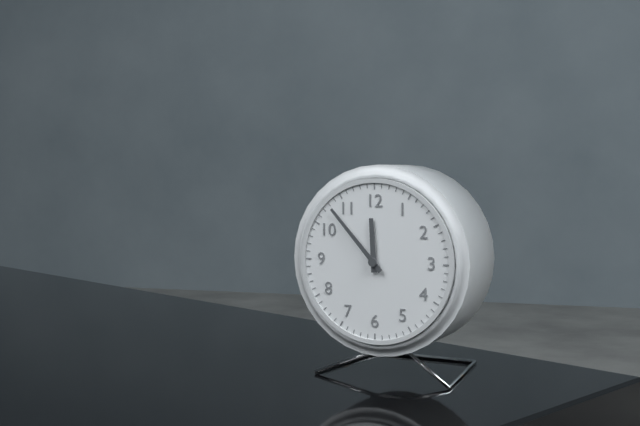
h=11 m=53
